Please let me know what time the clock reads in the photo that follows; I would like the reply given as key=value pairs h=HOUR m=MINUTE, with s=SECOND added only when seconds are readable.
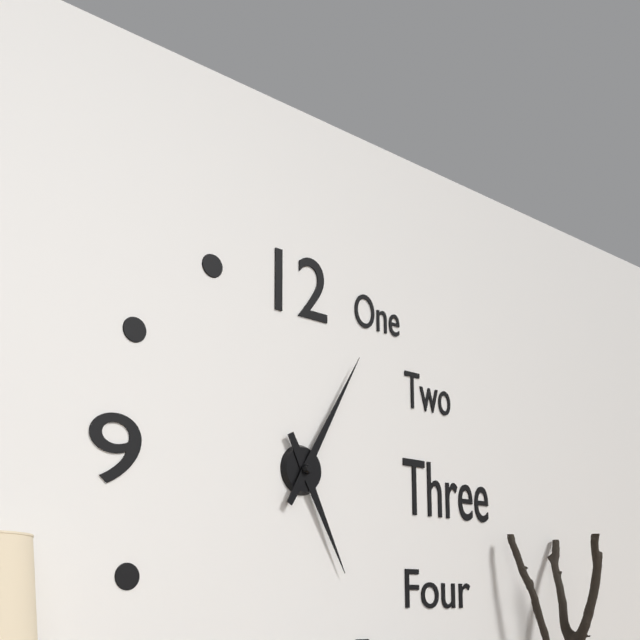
h=5 m=5
